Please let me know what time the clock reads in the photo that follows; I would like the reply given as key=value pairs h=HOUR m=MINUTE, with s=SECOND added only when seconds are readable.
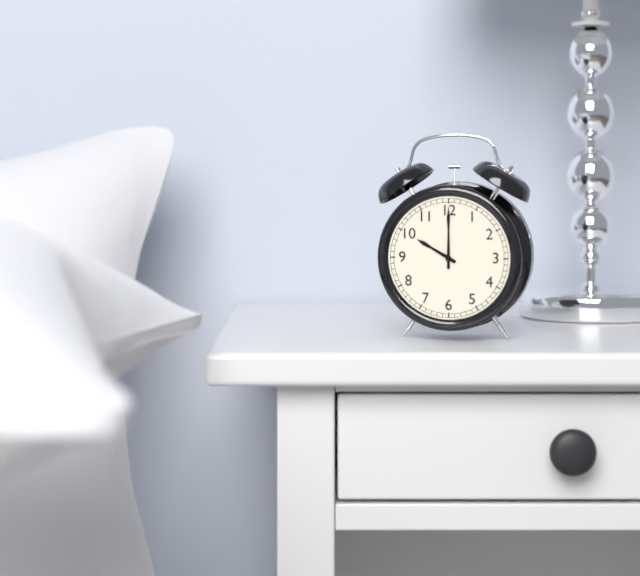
h=10 m=0
